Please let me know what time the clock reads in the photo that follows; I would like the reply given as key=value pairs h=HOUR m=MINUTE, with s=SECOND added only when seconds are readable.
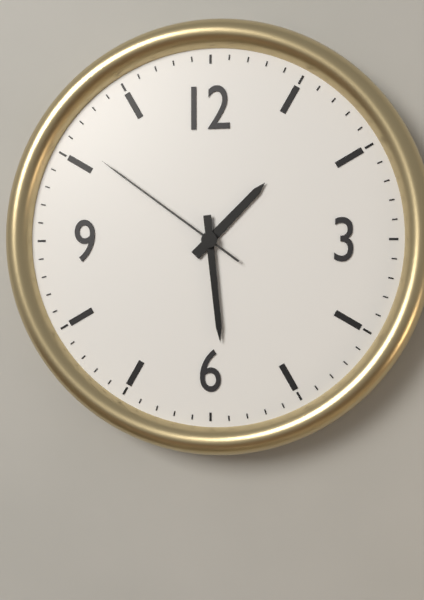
h=1 m=29 s=51
